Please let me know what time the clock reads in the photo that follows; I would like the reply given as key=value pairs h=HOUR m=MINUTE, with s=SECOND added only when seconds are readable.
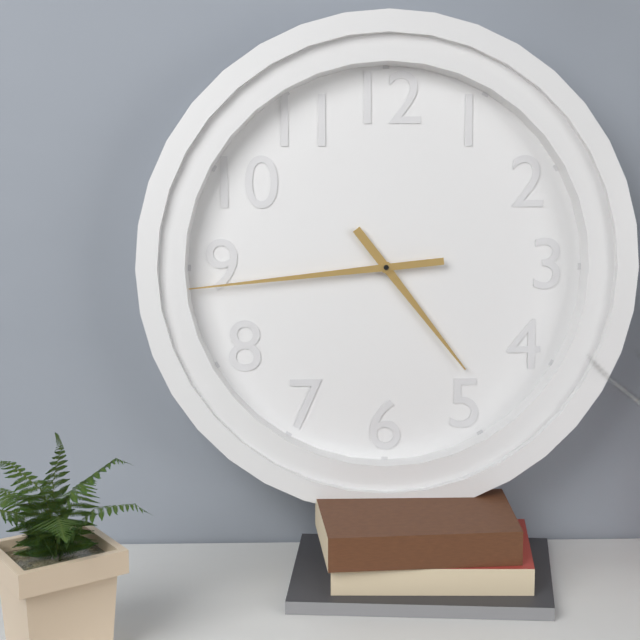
h=4 m=44
